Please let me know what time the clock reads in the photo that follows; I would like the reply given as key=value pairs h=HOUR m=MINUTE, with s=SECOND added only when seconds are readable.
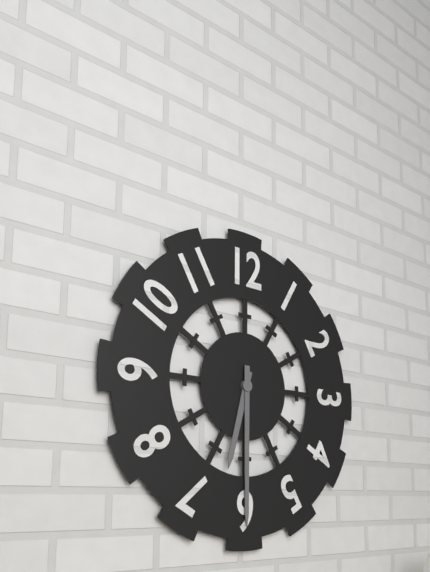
h=6 m=30
